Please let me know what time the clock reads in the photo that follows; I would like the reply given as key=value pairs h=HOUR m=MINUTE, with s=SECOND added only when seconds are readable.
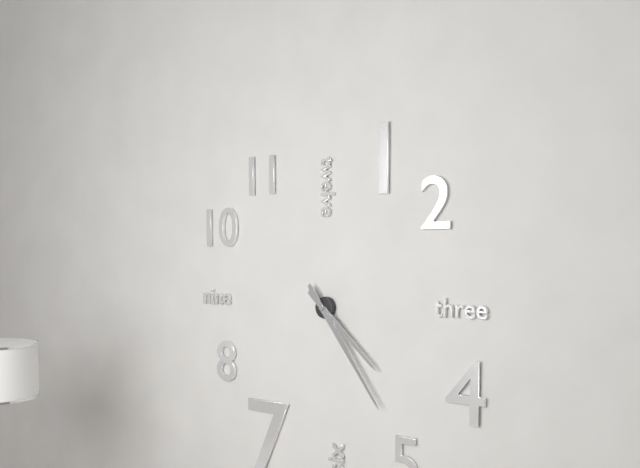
h=4 m=24
